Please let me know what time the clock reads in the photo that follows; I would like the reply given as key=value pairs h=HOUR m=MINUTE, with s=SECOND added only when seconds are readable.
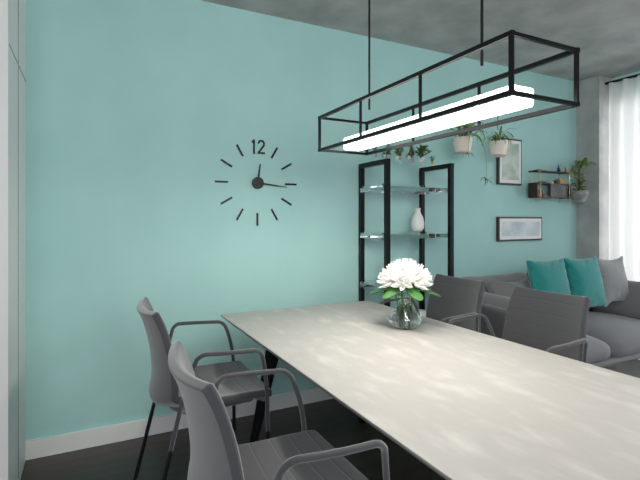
h=12 m=16
